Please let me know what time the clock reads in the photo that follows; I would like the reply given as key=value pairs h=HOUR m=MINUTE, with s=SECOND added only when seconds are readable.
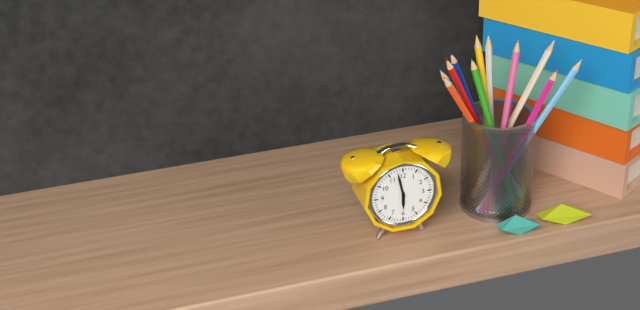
h=5 m=58
